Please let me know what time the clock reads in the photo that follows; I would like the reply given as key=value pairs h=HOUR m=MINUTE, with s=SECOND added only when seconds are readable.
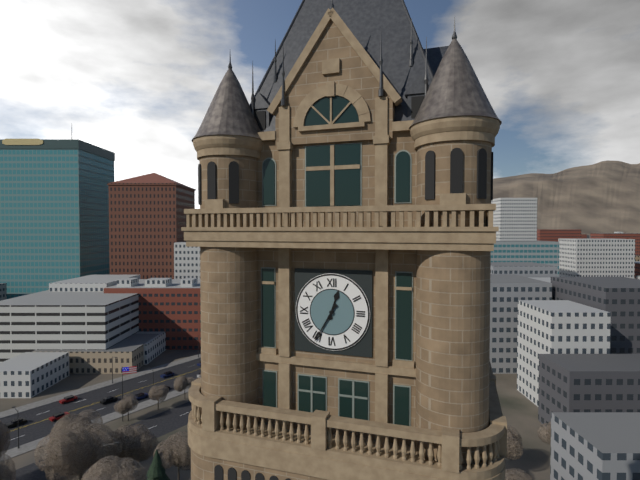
h=12 m=35
